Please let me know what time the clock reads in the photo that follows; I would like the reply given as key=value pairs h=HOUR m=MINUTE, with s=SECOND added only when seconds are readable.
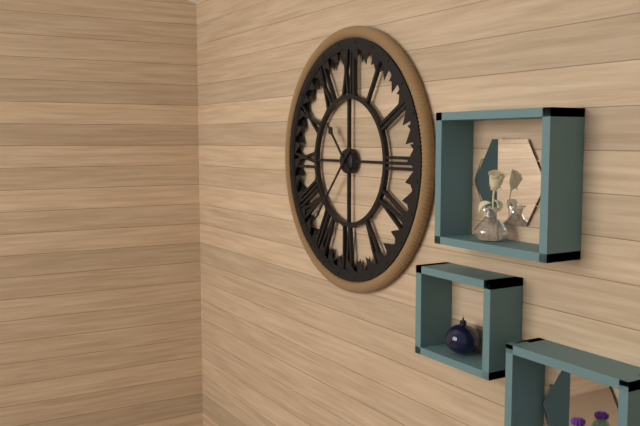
h=10 m=37
